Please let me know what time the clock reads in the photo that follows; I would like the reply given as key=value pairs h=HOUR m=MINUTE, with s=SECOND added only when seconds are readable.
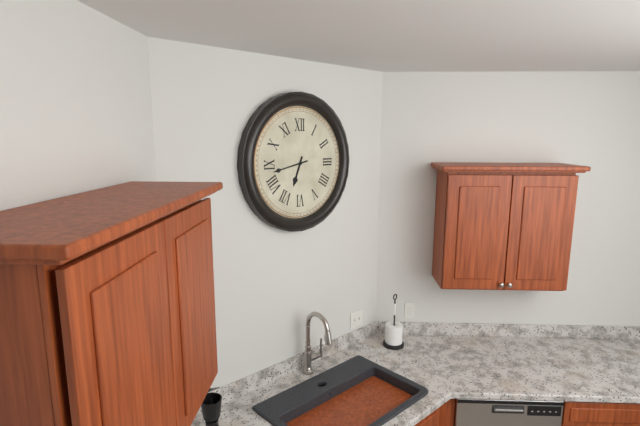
h=6 m=43
